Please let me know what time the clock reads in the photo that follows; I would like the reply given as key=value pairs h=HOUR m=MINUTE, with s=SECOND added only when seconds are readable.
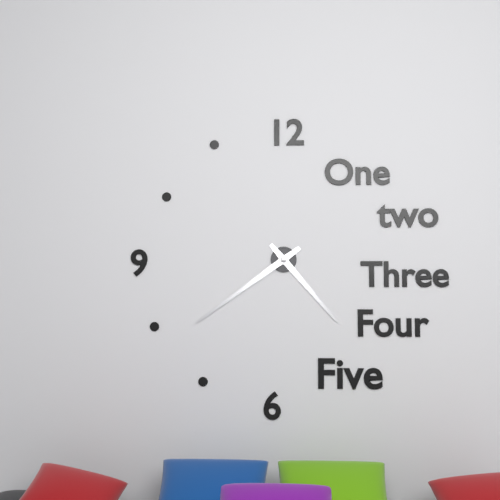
h=4 m=39
